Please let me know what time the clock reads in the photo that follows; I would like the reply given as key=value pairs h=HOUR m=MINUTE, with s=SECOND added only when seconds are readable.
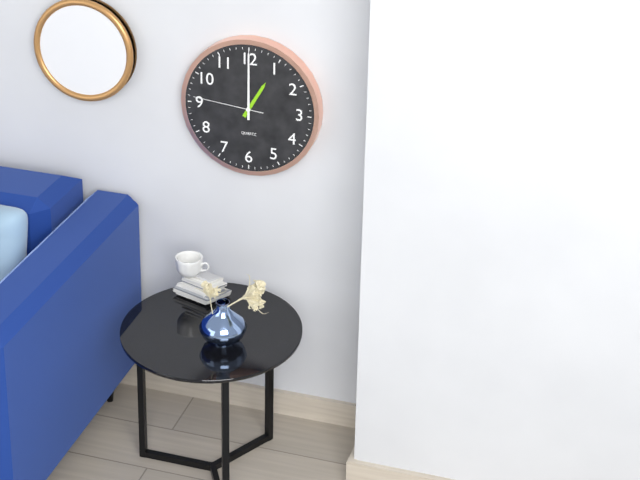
h=1 m=0 s=46
